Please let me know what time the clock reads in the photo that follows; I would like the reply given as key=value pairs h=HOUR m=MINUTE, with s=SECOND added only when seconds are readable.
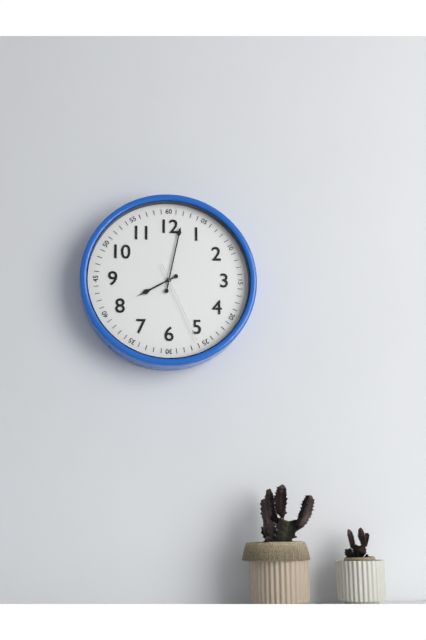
h=8 m=2 s=26
